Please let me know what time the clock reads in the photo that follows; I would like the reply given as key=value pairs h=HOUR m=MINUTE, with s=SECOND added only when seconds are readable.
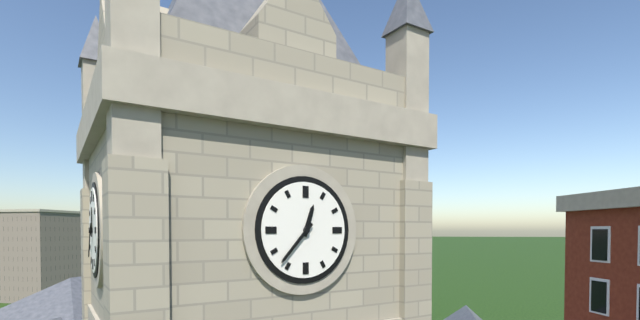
h=12 m=37
